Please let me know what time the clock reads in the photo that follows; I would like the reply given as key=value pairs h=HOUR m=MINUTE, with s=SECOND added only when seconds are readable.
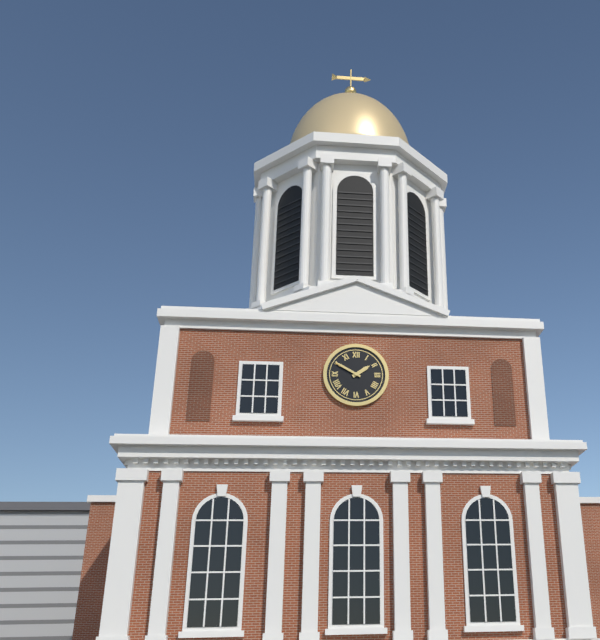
h=1 m=50
